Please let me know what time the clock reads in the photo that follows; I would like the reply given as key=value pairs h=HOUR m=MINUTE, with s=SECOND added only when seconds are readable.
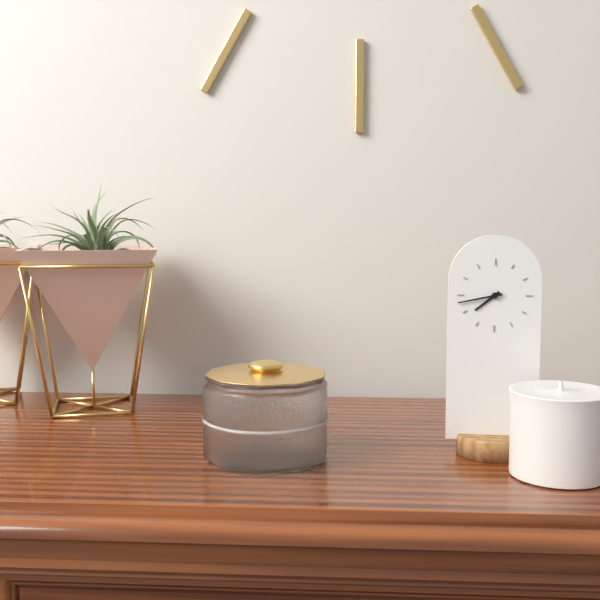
h=7 m=43
